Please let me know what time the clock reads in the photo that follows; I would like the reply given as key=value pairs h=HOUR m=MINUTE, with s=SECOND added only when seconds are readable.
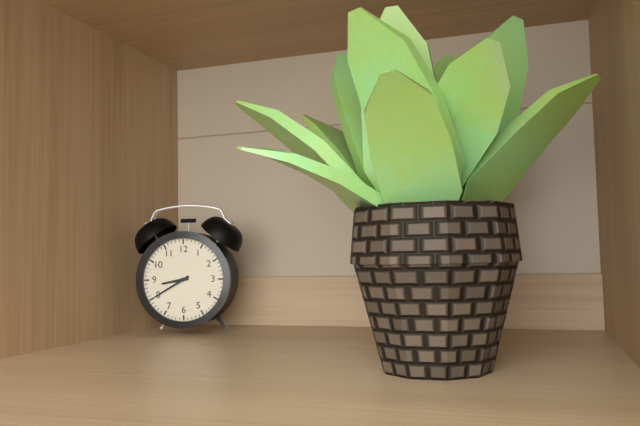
h=8 m=40
